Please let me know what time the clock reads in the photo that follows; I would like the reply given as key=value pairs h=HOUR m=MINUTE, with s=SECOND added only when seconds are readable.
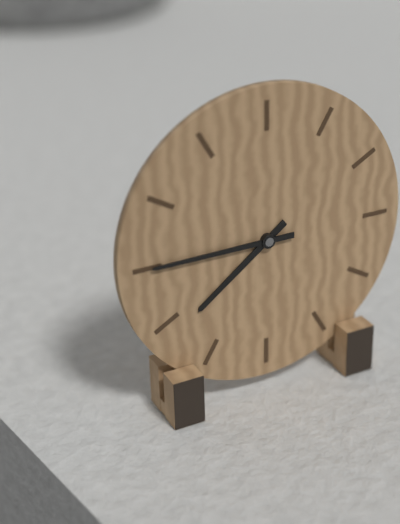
h=7 m=45
